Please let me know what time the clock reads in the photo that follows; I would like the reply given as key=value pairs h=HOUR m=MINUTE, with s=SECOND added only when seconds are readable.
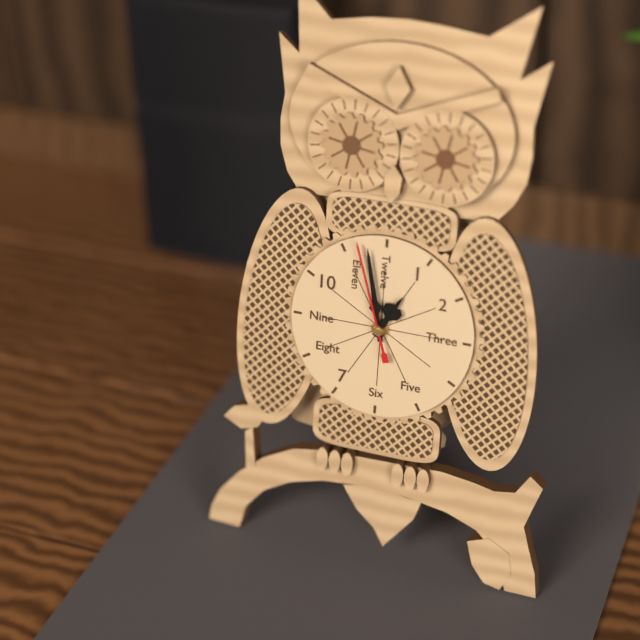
h=12 m=58 s=57
